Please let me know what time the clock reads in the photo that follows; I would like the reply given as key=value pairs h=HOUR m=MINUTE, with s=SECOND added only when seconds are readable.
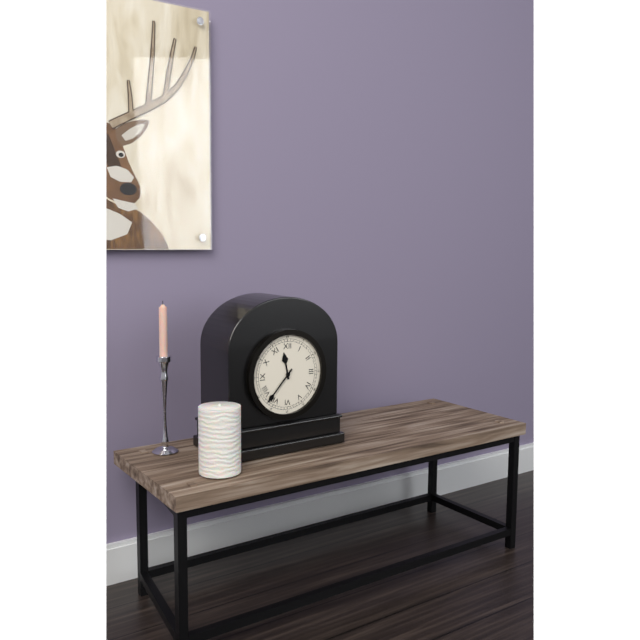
h=11 m=37
